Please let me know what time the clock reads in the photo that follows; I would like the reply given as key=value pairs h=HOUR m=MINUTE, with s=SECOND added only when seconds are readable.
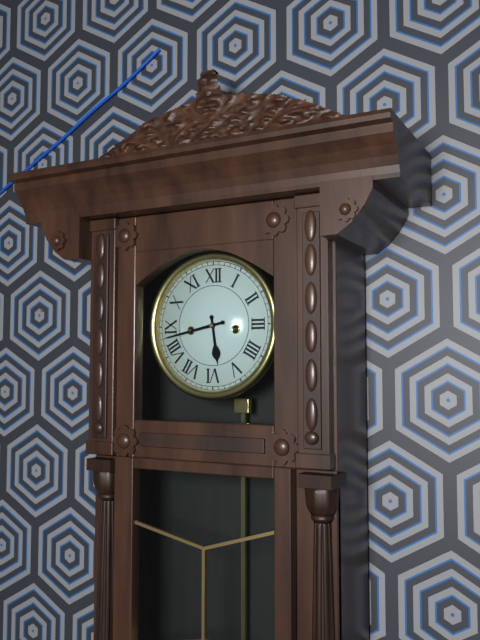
h=5 m=43
